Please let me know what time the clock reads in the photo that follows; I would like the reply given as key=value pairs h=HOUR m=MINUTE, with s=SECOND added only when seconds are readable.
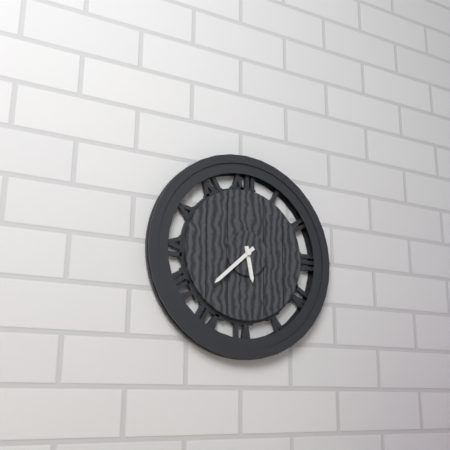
h=5 m=38
